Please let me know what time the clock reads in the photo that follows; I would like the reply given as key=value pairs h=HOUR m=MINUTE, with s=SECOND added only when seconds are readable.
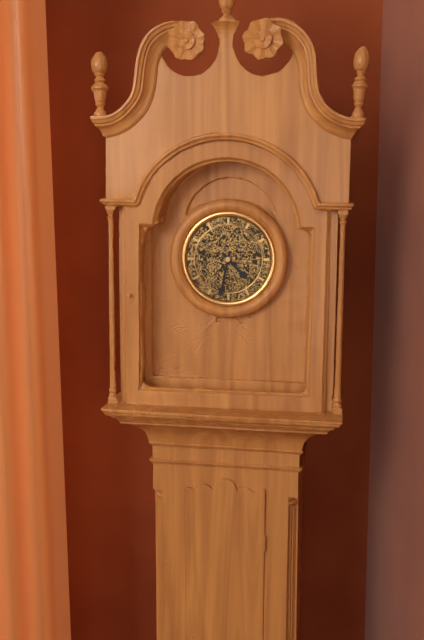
h=4 m=32
